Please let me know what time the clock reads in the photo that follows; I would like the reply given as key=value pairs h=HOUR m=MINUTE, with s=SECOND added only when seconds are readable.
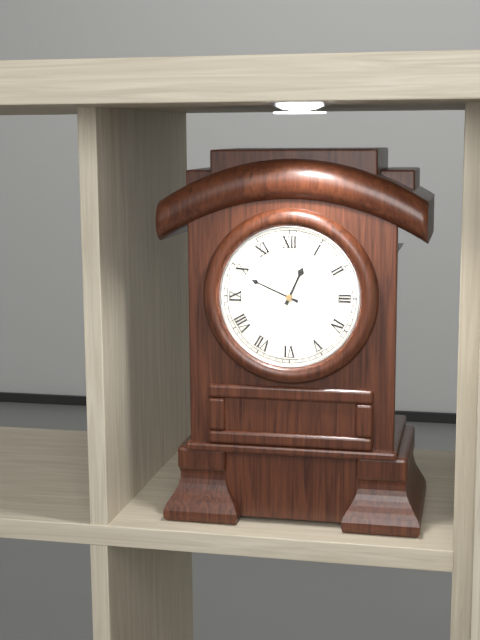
h=12 m=49
